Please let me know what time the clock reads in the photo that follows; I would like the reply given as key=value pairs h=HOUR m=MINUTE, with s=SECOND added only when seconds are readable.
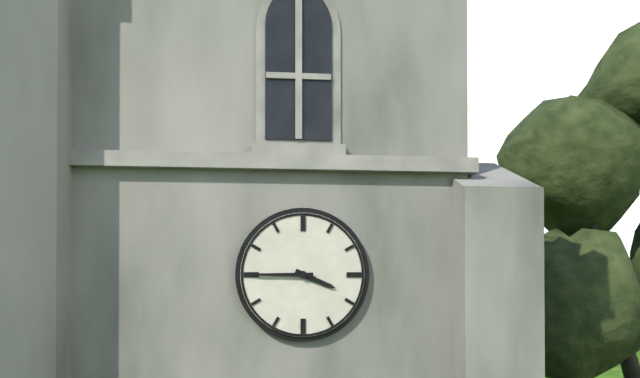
h=3 m=45
